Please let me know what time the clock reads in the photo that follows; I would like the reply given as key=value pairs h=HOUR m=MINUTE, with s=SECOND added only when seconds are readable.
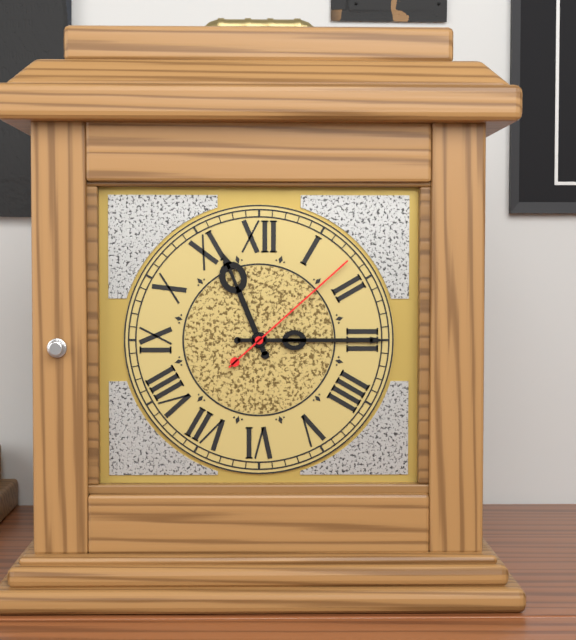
h=11 m=15 s=8
